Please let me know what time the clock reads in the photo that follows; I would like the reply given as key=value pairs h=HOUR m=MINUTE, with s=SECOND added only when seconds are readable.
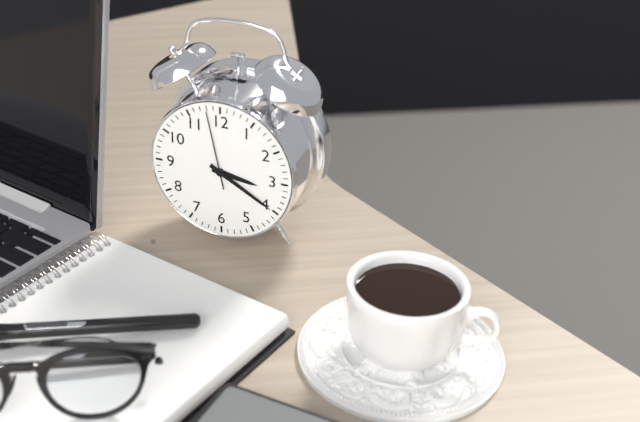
h=3 m=20 s=58
